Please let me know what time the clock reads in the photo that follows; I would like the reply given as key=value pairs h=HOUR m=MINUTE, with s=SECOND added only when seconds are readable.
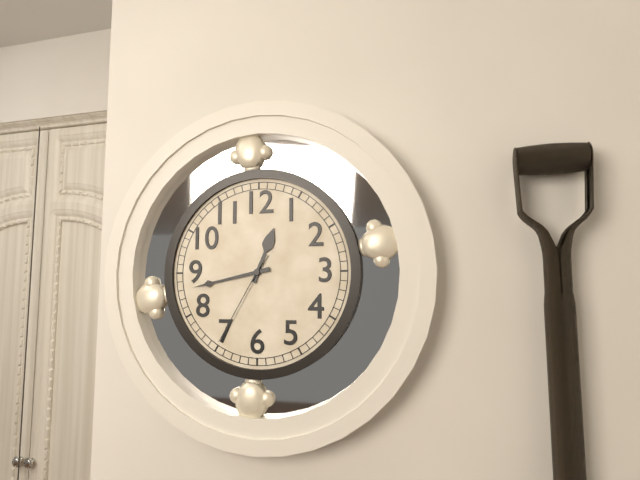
h=12 m=43 s=35
